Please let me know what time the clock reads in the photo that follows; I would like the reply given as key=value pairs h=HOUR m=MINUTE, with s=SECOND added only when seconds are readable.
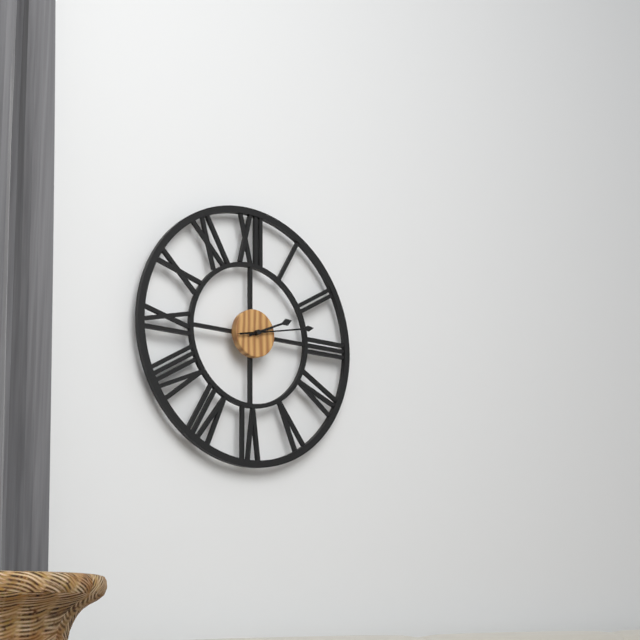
h=2 m=13
